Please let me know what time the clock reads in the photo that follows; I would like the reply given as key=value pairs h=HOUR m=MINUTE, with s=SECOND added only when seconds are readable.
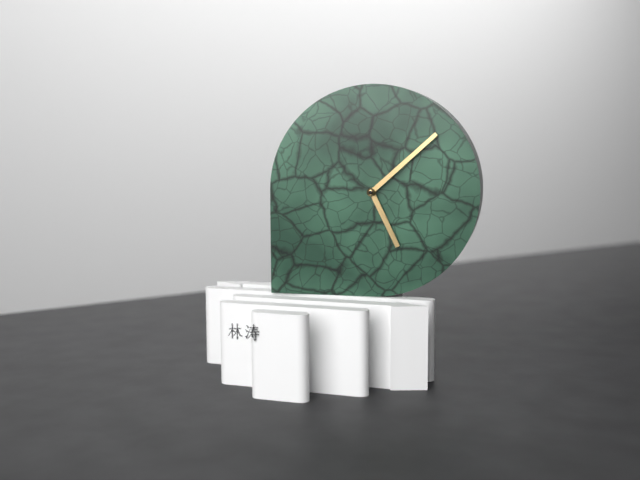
h=5 m=8
